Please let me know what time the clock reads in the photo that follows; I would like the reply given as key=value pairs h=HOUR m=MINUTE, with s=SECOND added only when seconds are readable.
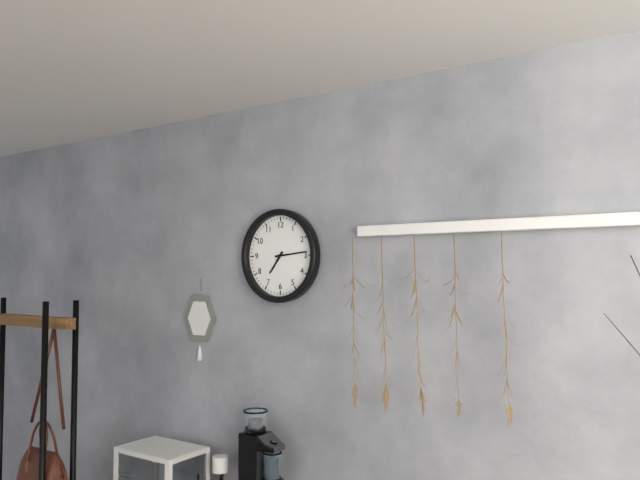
h=7 m=14
